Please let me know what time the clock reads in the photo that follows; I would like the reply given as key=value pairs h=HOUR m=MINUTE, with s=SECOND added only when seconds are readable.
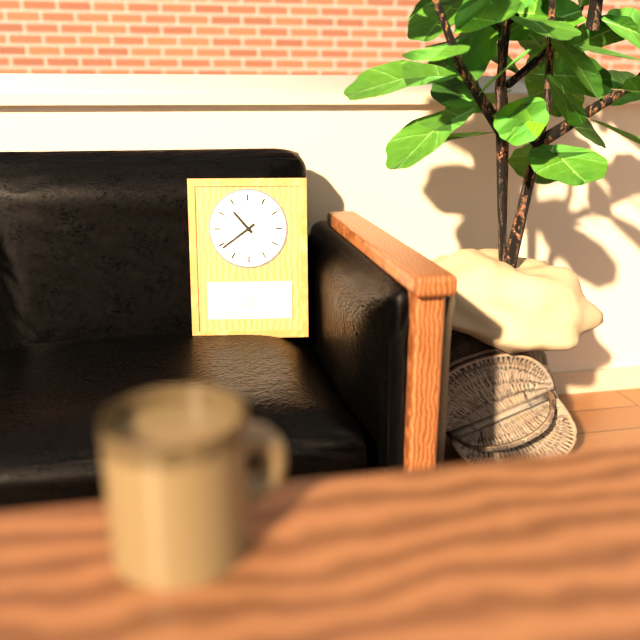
h=10 m=39
